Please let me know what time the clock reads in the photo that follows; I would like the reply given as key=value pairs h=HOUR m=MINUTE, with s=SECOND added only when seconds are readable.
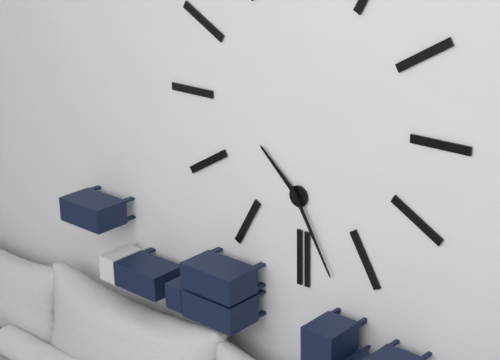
h=10 m=25
